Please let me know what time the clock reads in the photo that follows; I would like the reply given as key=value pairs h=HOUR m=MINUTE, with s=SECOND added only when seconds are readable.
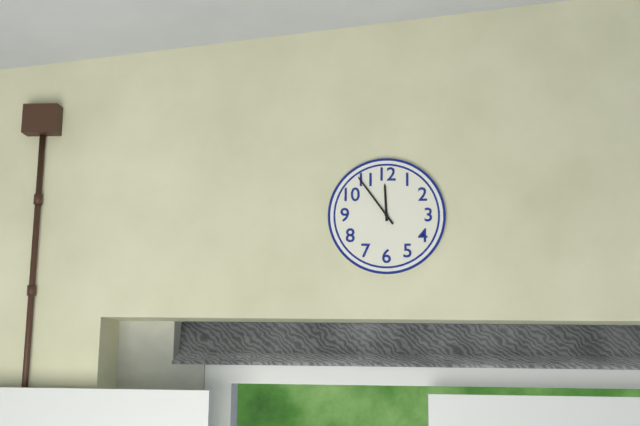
h=11 m=54
